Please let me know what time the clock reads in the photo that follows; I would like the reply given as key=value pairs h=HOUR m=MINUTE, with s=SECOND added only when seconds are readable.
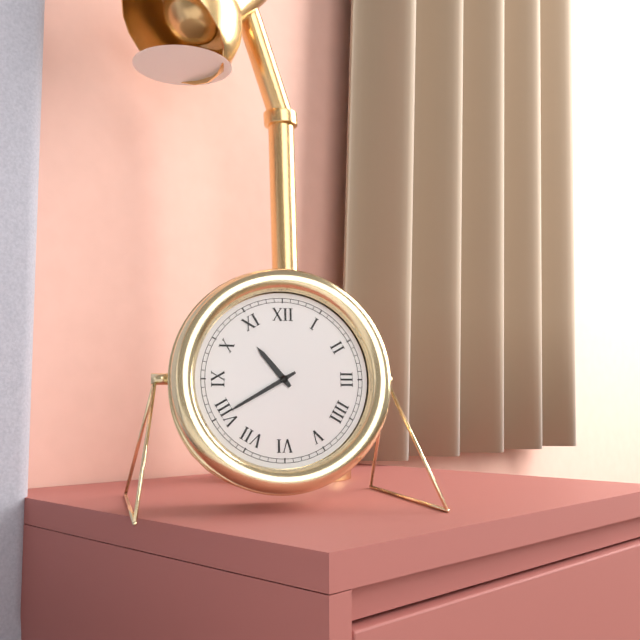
h=10 m=40
